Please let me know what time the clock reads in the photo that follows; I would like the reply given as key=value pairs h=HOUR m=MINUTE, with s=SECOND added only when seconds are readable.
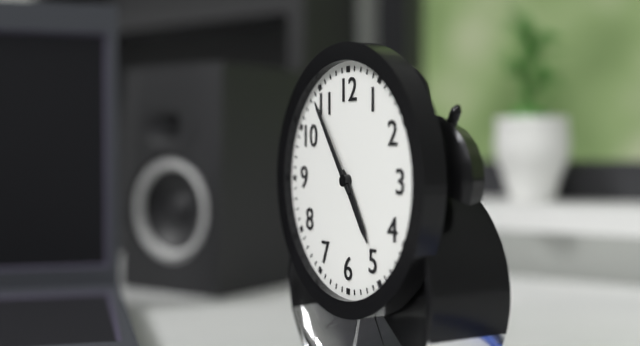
h=4 m=54
